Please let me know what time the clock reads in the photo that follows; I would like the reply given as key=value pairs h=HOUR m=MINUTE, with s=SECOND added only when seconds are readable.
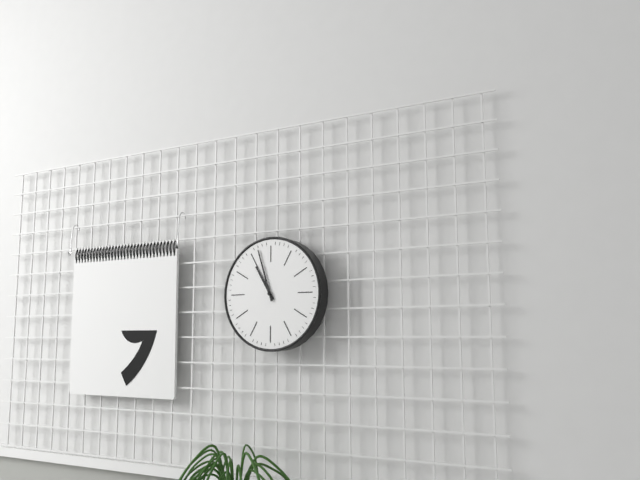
h=10 m=57
